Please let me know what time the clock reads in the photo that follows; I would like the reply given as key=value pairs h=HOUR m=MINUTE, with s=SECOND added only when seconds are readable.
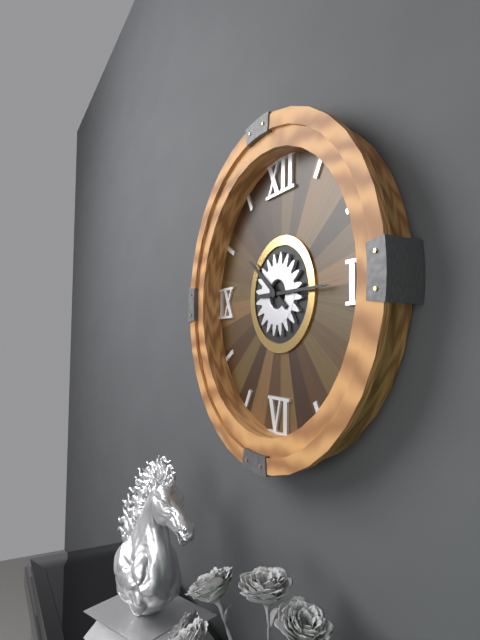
h=10 m=15
